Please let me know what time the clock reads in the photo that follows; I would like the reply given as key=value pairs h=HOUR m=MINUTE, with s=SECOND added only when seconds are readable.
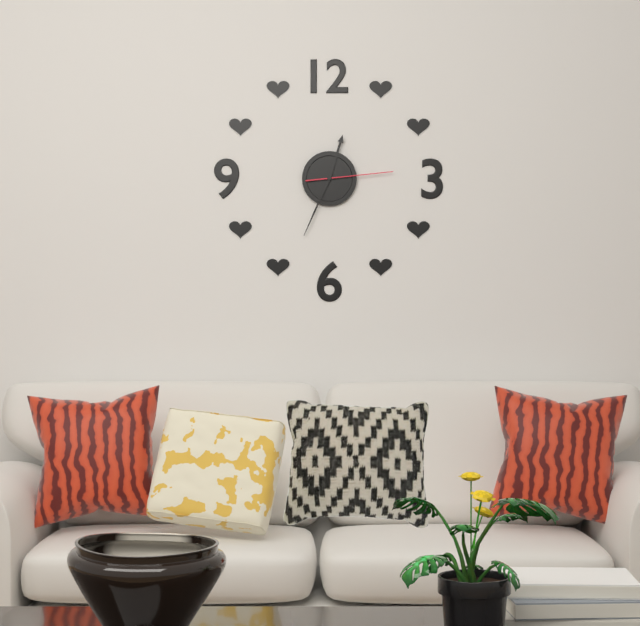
h=12 m=34 s=14
